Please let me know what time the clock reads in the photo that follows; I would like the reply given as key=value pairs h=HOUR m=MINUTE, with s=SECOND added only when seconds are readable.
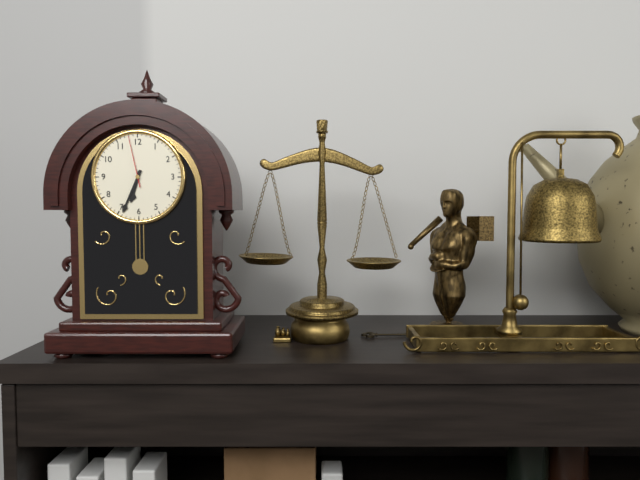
h=6 m=34 s=58
